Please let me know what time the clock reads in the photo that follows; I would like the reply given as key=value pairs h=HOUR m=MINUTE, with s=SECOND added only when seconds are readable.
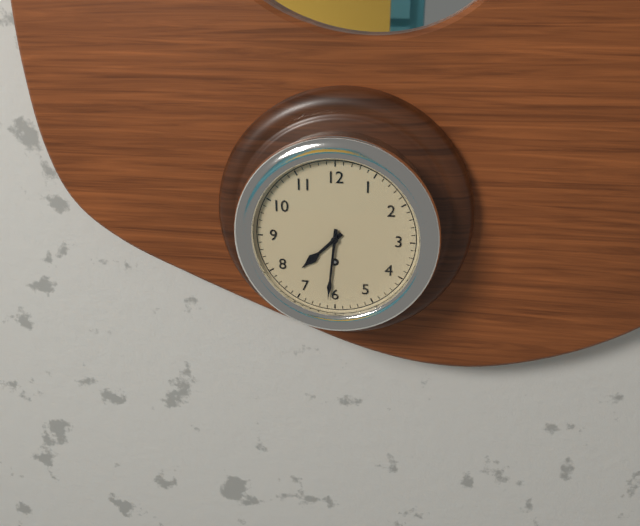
h=7 m=31
